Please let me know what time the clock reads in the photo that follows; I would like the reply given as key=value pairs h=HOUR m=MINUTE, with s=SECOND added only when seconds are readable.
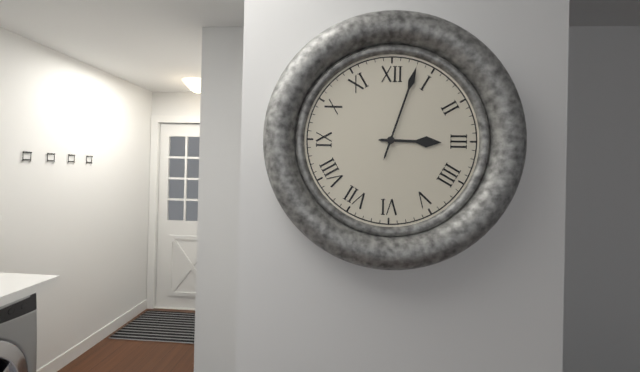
h=3 m=3
